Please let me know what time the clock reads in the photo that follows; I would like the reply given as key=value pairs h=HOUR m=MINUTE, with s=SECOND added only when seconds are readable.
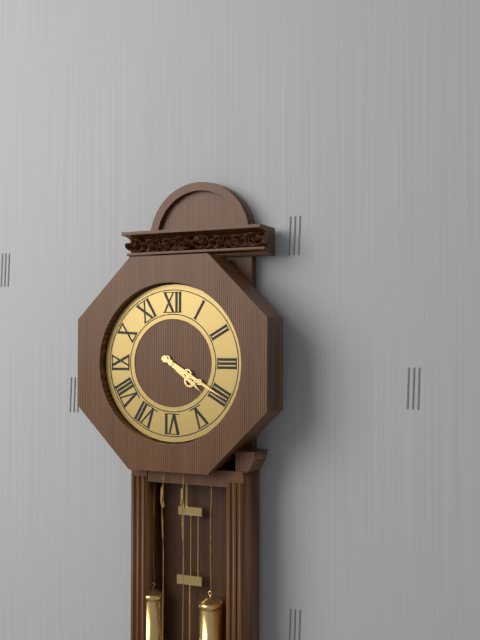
h=4 m=20
